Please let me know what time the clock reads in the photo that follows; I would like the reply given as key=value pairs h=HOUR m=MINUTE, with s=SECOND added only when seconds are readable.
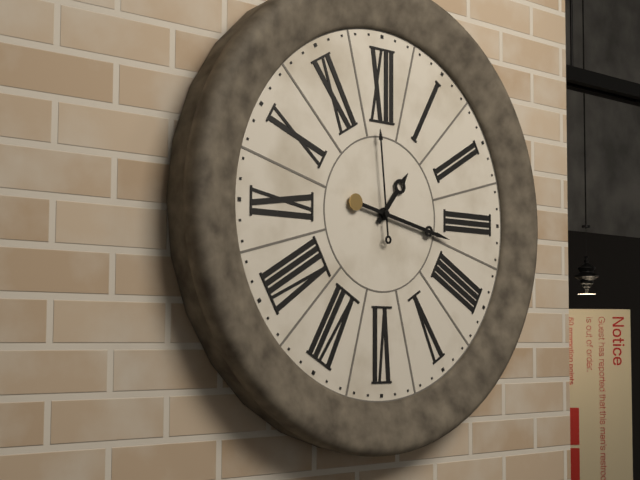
h=1 m=17 s=59
